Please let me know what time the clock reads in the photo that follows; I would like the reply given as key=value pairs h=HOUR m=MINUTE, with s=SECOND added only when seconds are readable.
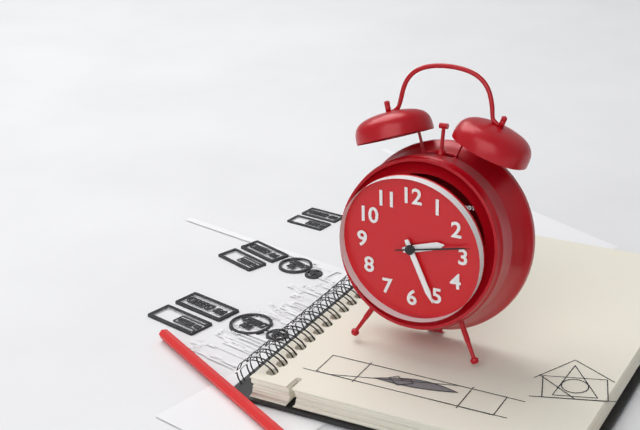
h=2 m=26 s=13
